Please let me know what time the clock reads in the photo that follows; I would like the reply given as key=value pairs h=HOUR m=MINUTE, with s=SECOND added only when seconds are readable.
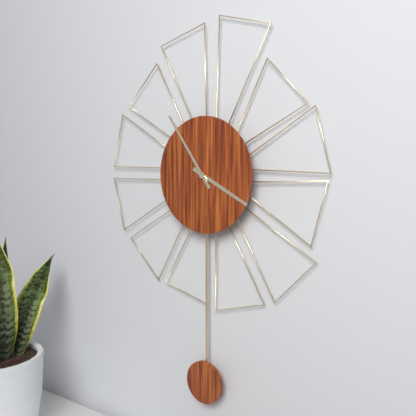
h=3 m=54
